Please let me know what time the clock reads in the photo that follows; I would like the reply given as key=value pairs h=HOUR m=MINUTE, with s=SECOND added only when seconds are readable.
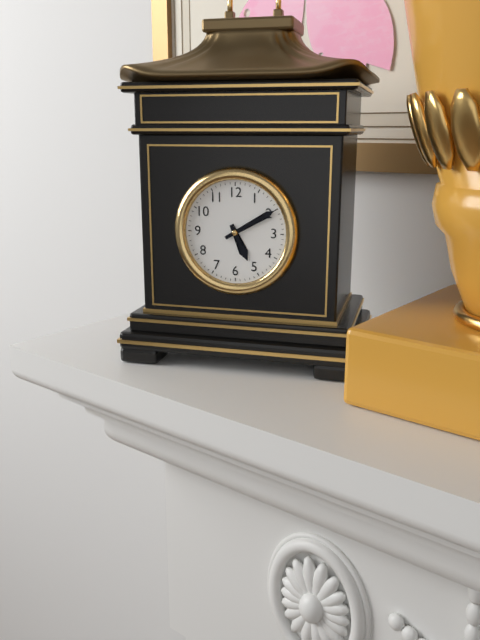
h=5 m=10
